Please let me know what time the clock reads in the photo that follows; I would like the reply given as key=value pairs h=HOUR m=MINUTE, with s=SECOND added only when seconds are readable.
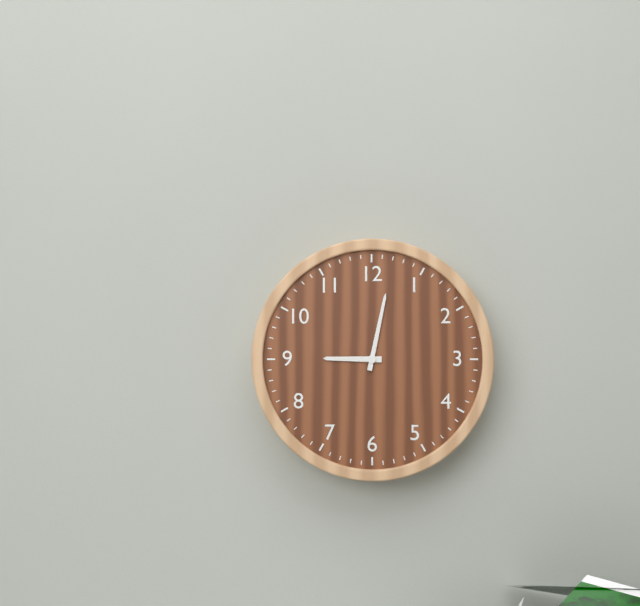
h=9 m=2
